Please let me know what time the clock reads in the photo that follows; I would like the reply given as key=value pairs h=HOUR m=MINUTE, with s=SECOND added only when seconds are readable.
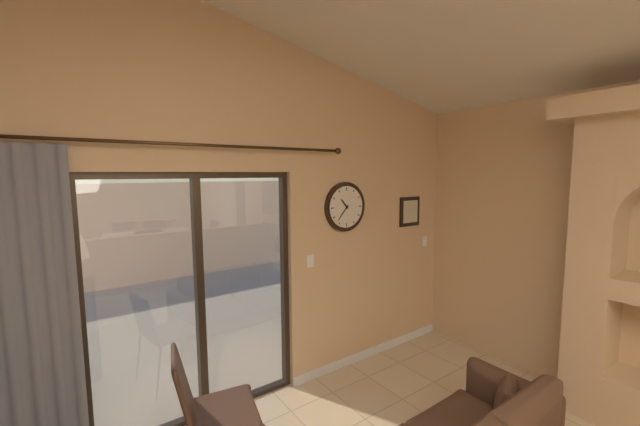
h=10 m=37
